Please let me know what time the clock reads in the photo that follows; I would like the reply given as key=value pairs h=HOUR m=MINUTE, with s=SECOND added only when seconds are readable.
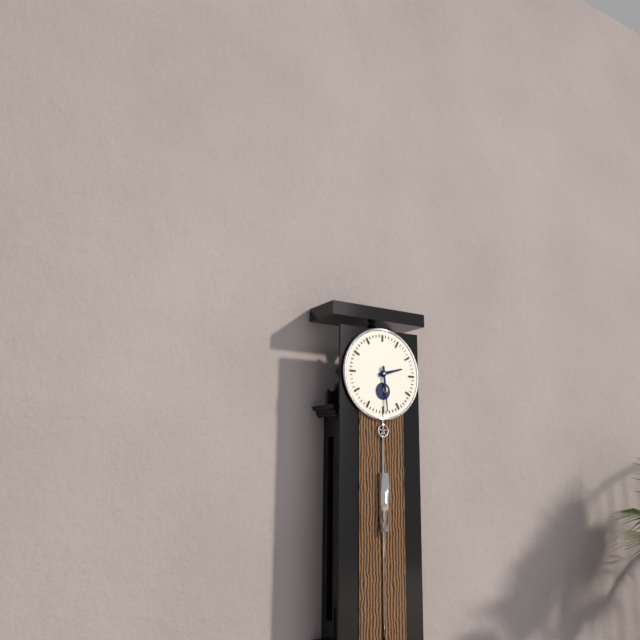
h=2 m=29
